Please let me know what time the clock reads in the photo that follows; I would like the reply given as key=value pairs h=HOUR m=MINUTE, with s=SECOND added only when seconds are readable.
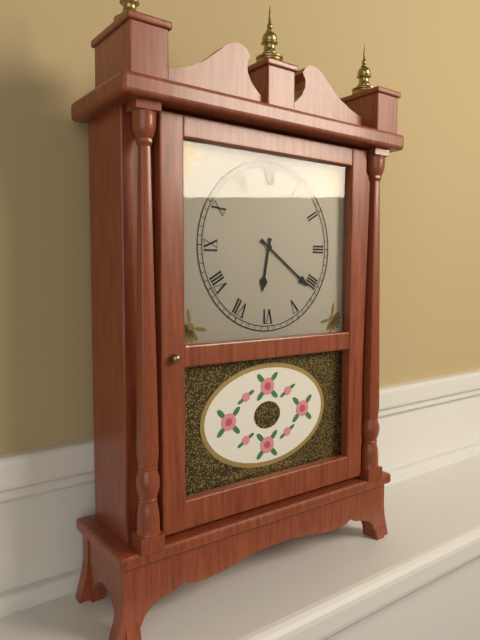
h=6 m=21
